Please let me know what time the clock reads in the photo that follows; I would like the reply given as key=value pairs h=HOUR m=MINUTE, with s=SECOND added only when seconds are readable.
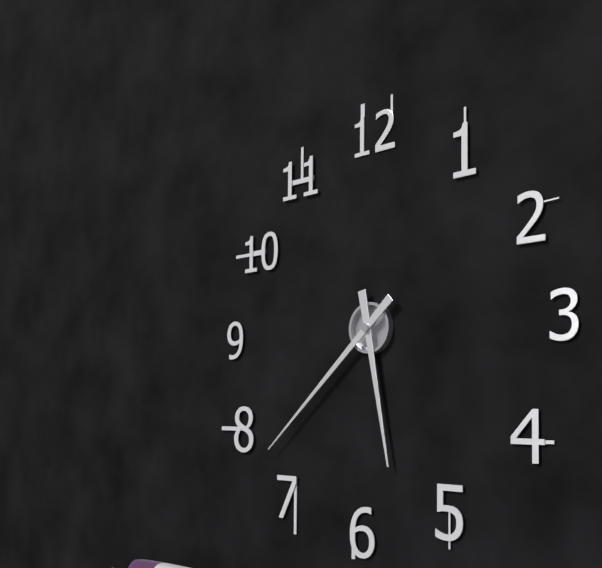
h=5 m=38
